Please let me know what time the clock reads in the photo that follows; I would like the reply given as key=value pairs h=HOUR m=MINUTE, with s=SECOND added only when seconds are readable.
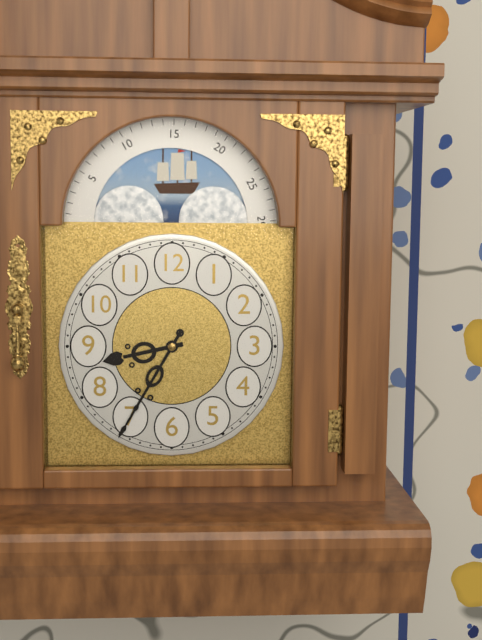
h=8 m=35
